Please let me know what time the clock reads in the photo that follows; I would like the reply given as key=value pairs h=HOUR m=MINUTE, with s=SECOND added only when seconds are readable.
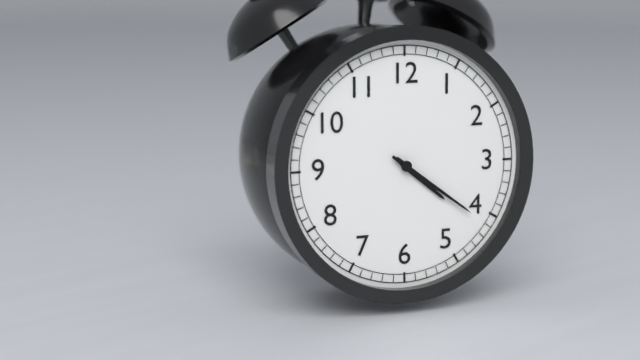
h=4 m=21
